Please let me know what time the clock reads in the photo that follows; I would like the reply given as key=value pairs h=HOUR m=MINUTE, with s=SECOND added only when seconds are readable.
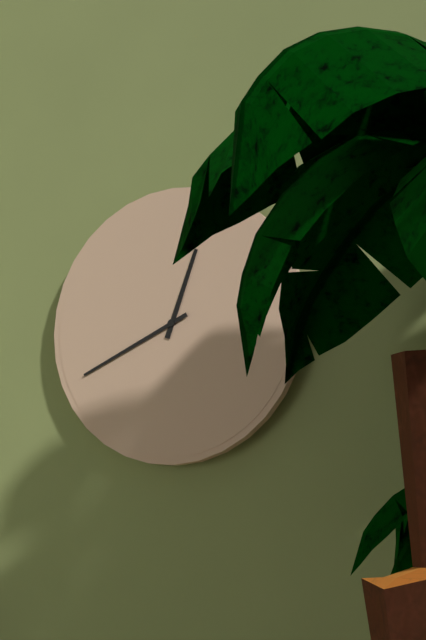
h=12 m=41
